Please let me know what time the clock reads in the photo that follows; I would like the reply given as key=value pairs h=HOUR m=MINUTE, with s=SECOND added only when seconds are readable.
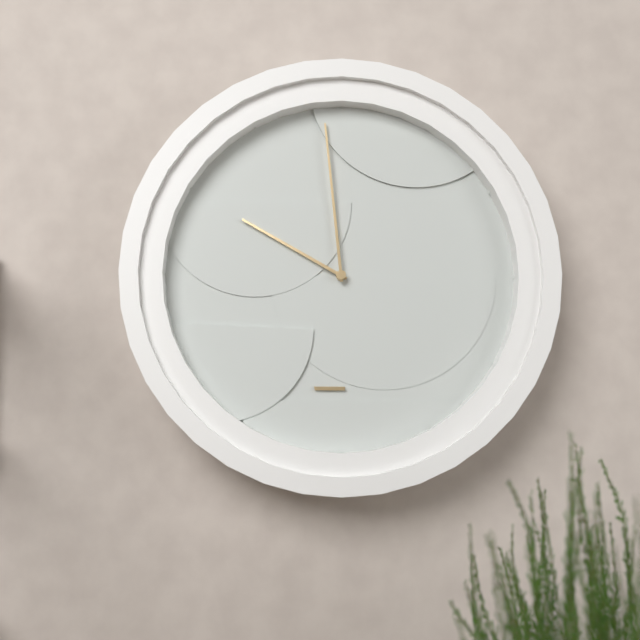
h=9 m=59
